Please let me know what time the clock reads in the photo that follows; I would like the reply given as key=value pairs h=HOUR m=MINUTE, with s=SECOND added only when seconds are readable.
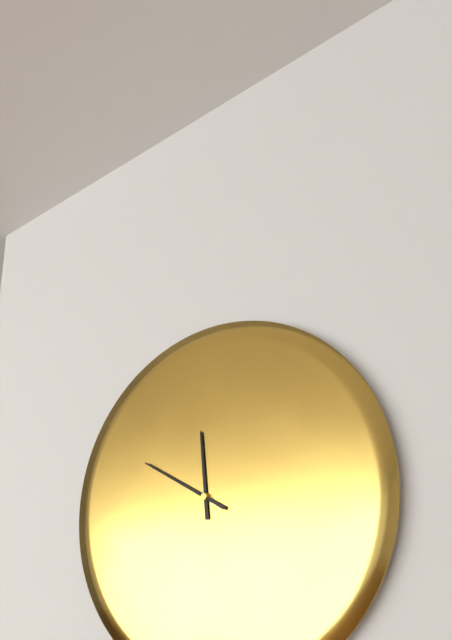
h=11 m=50
